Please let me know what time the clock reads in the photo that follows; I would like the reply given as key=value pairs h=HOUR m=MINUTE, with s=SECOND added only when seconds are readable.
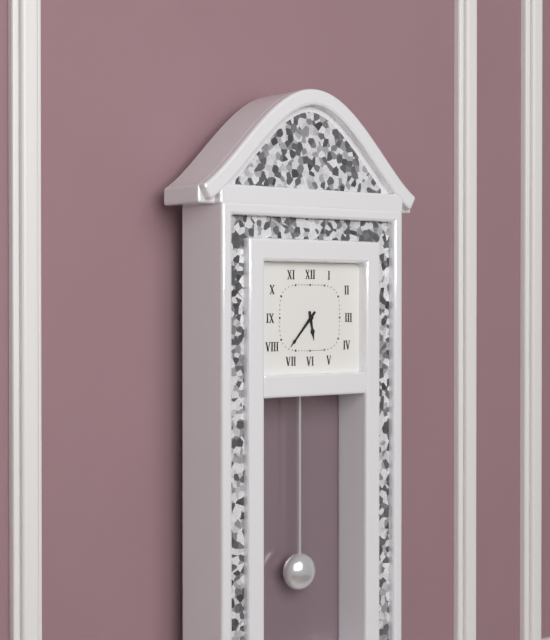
h=5 m=37
